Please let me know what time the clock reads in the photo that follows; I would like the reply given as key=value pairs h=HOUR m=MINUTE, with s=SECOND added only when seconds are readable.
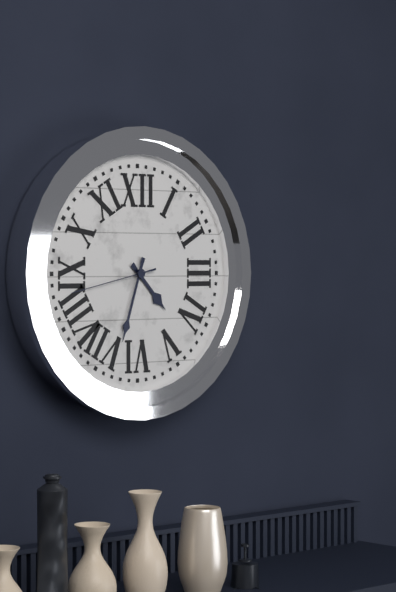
h=4 m=33 s=43
